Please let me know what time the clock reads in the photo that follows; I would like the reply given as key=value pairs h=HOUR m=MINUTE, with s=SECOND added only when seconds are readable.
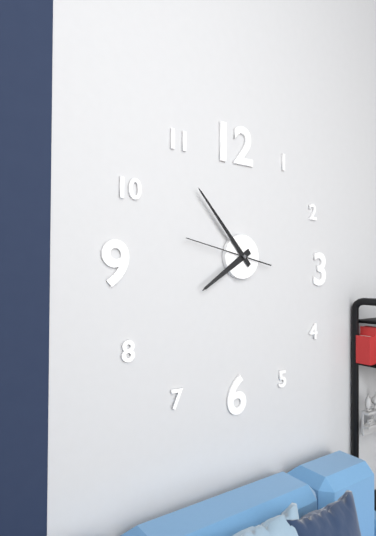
h=7 m=53 s=47
